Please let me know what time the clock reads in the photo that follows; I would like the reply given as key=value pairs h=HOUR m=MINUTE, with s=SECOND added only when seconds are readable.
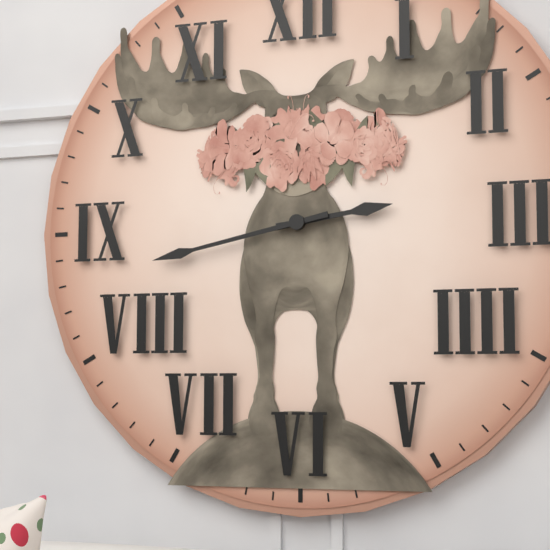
h=2 m=43
